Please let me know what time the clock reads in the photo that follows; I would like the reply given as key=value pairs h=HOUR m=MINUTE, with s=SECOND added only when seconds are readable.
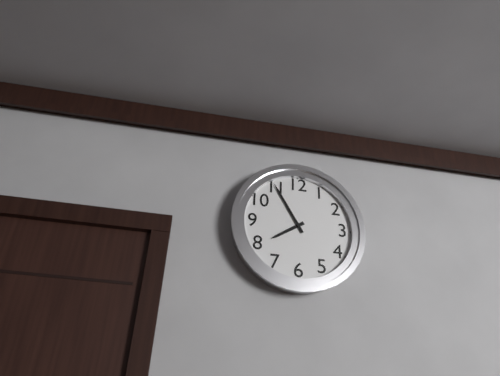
h=7 m=55
